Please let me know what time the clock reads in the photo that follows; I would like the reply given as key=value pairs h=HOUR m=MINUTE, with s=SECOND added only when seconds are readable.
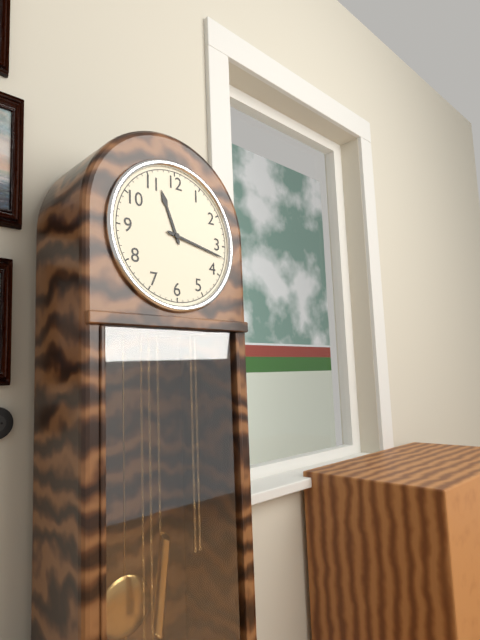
h=11 m=17
